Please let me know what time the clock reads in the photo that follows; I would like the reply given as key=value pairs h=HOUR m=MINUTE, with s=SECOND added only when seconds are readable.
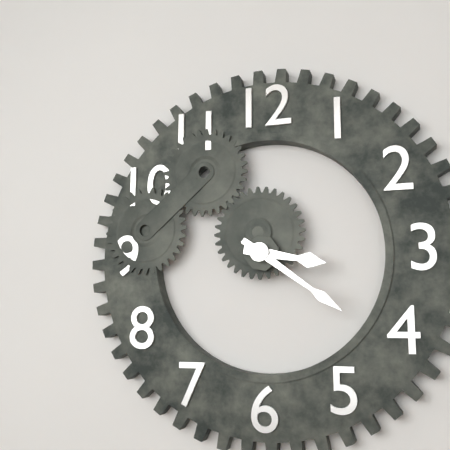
h=3 m=21
